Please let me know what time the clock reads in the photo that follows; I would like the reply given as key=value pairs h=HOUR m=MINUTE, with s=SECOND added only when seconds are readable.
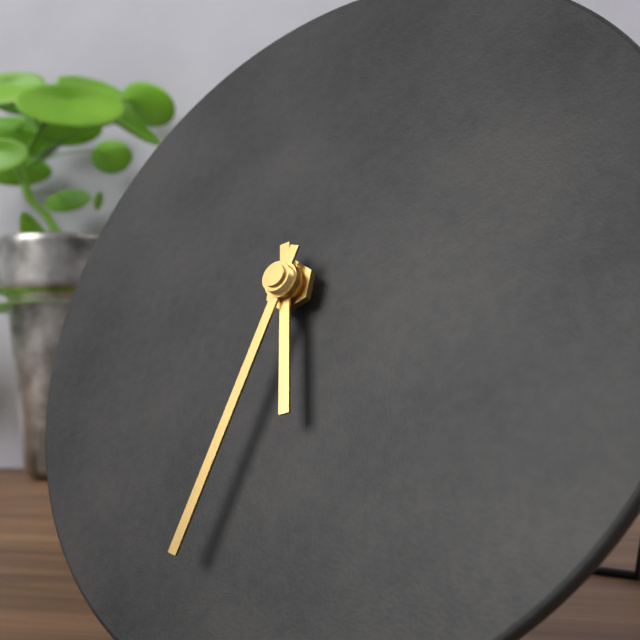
h=5 m=32
